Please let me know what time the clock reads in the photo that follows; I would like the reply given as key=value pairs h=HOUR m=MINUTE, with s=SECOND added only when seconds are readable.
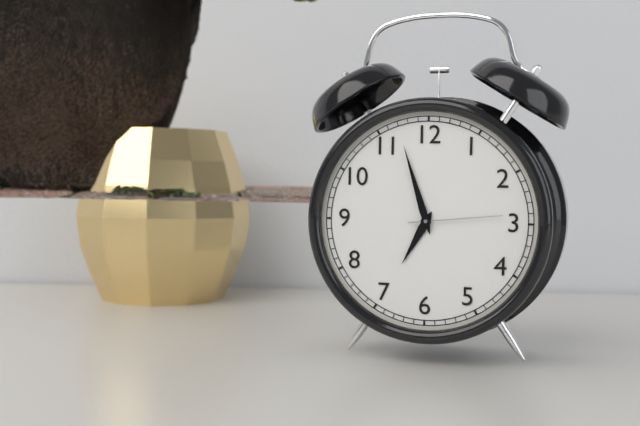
h=6 m=57 s=14
